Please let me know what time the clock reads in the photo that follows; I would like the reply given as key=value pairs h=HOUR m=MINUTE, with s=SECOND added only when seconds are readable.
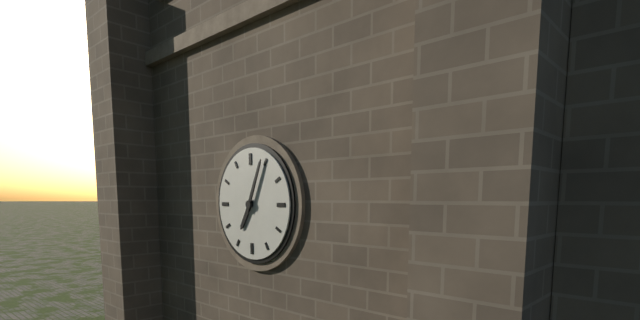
h=7 m=4
